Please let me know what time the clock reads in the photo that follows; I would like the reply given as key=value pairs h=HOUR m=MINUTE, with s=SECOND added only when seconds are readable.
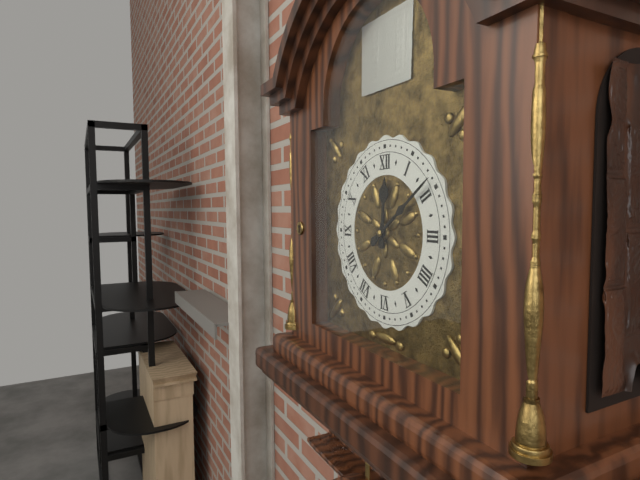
h=12 m=9
